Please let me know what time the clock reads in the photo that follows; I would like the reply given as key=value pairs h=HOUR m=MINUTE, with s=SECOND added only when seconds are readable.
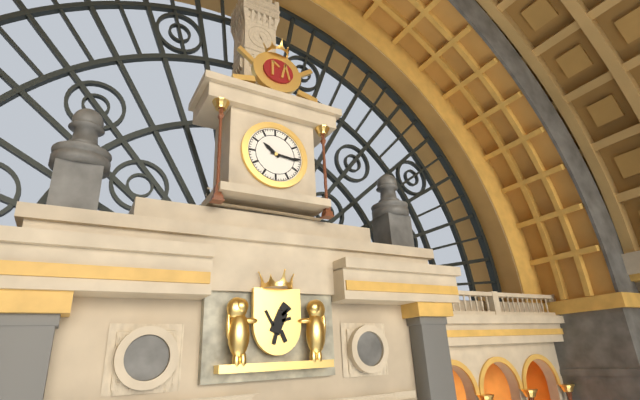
h=10 m=16
